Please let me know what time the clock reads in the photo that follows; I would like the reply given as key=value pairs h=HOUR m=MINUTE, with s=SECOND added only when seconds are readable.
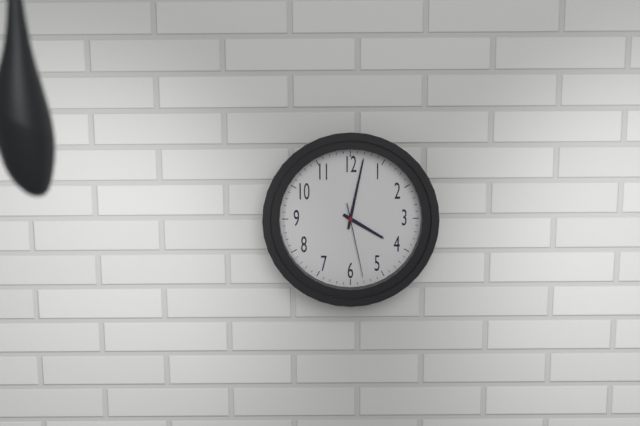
h=4 m=2 s=28
